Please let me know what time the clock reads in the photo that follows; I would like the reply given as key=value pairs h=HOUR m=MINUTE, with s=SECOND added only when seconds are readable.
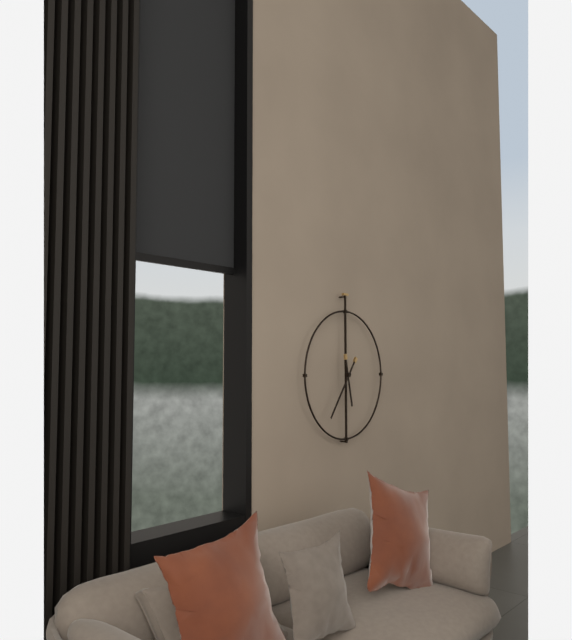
h=5 m=36
